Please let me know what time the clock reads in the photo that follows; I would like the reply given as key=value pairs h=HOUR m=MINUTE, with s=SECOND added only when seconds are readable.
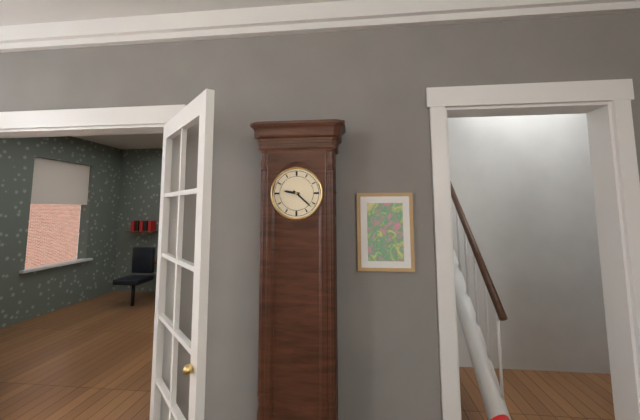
h=9 m=22
